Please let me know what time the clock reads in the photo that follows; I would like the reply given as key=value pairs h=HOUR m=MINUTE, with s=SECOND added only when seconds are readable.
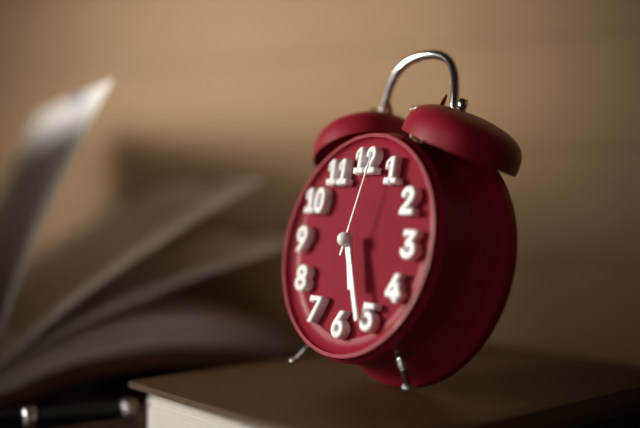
h=5 m=26 s=2
